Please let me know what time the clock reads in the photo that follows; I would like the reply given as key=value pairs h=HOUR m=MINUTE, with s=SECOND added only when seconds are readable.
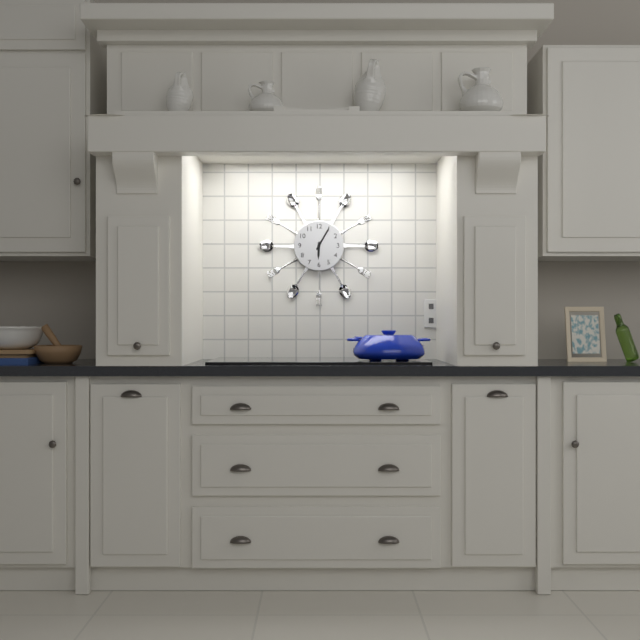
h=6 m=5
